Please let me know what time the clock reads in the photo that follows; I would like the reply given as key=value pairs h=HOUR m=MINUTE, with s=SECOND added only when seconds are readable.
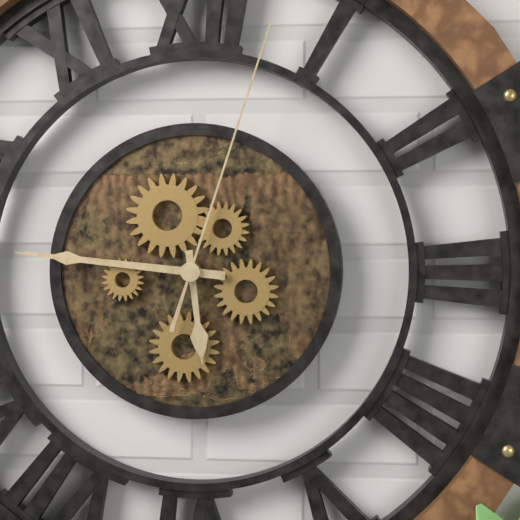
h=5 m=46 s=3
